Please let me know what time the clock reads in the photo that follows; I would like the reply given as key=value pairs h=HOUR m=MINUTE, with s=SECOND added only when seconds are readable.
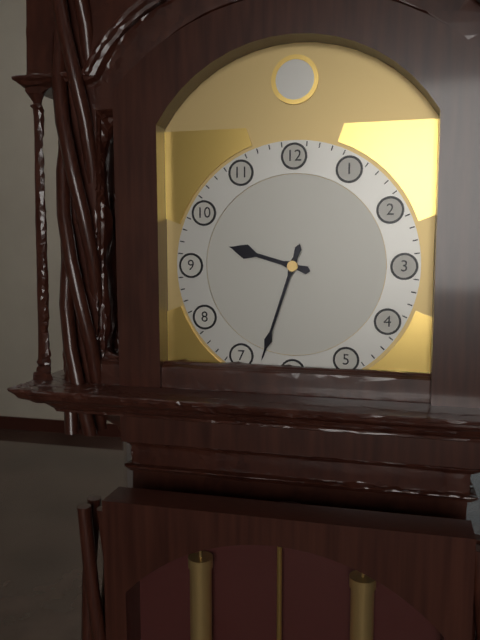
h=9 m=33
